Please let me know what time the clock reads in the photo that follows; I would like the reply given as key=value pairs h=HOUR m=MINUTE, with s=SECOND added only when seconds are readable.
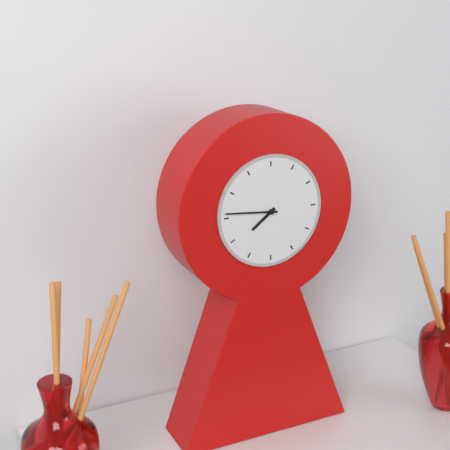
h=7 m=46
